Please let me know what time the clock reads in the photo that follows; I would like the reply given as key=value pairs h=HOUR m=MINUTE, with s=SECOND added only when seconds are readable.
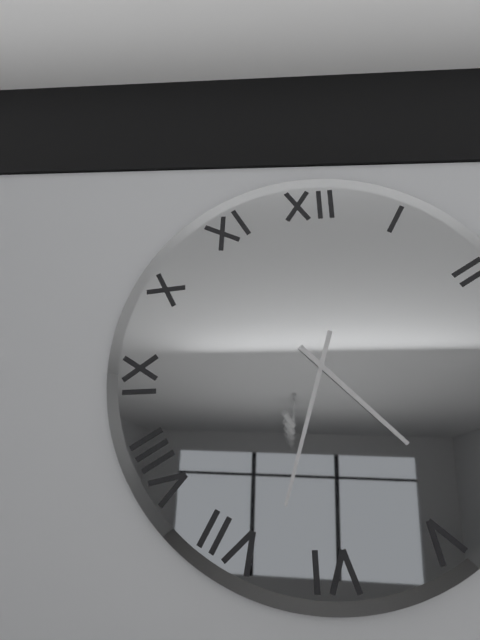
h=4 m=33
